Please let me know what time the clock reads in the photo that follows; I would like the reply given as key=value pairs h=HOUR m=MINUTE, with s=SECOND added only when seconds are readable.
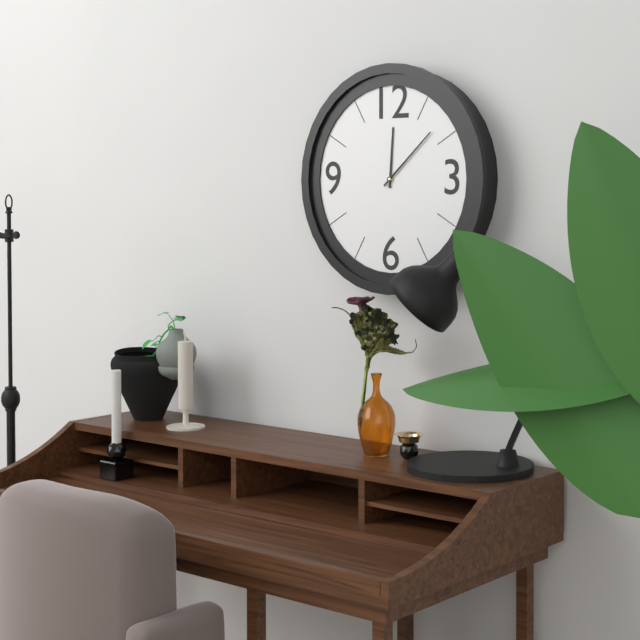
h=12 m=8
